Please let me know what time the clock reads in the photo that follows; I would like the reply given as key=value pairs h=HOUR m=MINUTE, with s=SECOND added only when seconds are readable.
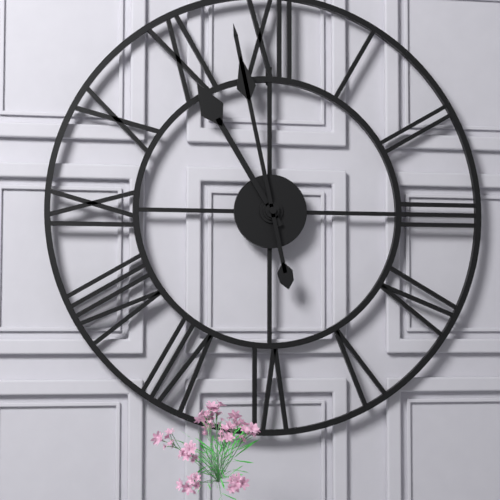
h=10 m=58
